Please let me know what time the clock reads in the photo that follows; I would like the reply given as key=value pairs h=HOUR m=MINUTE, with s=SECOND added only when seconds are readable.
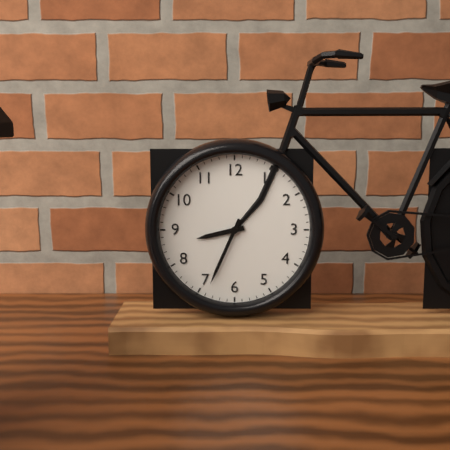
h=8 m=34
